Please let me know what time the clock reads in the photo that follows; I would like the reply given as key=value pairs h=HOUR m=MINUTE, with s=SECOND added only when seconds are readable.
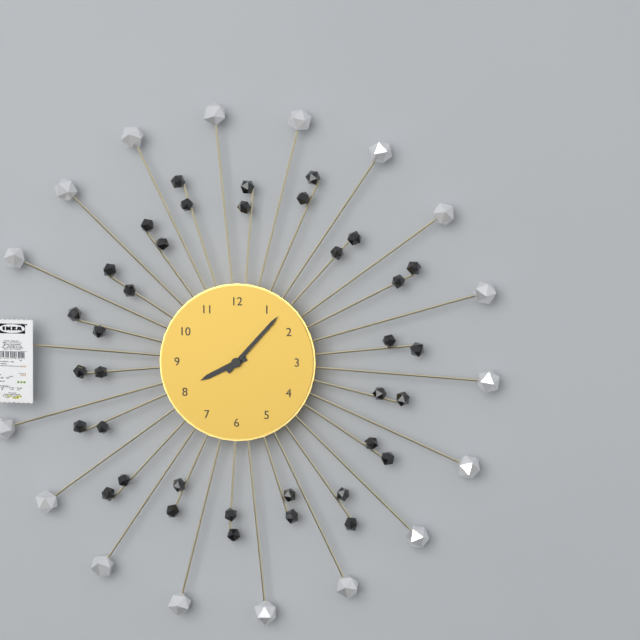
h=8 m=7
